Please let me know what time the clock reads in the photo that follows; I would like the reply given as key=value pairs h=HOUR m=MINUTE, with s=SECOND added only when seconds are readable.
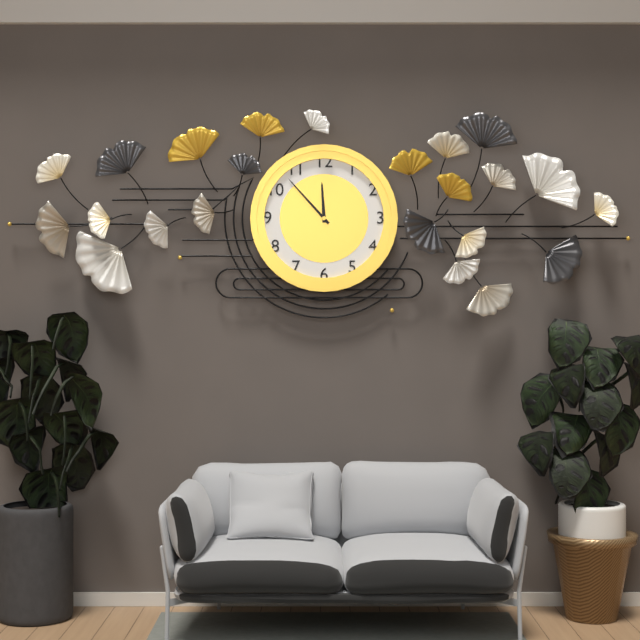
h=11 m=53
